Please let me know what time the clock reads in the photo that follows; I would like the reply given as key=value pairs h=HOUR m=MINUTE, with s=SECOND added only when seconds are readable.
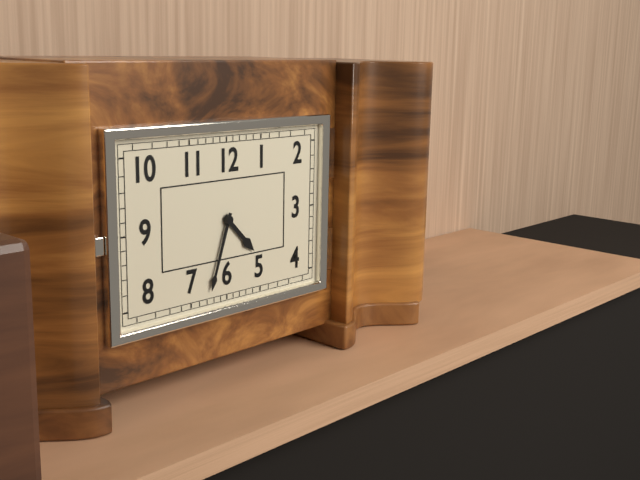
h=4 m=33
